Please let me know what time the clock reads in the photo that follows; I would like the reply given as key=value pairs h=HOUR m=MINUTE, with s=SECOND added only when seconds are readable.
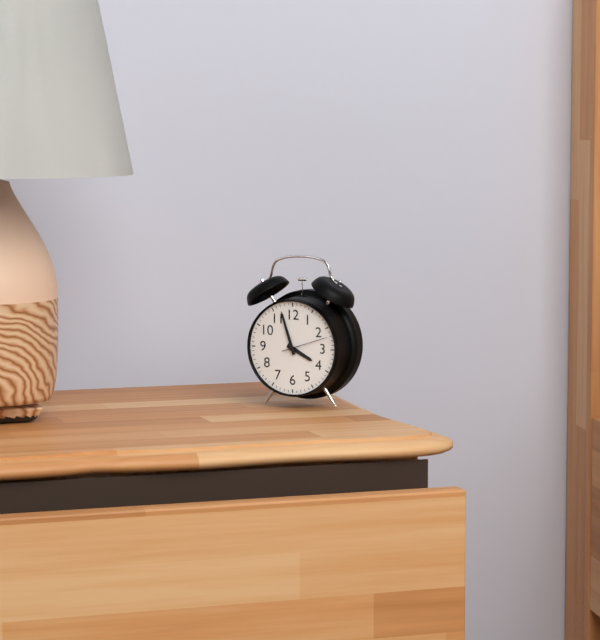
h=3 m=57
